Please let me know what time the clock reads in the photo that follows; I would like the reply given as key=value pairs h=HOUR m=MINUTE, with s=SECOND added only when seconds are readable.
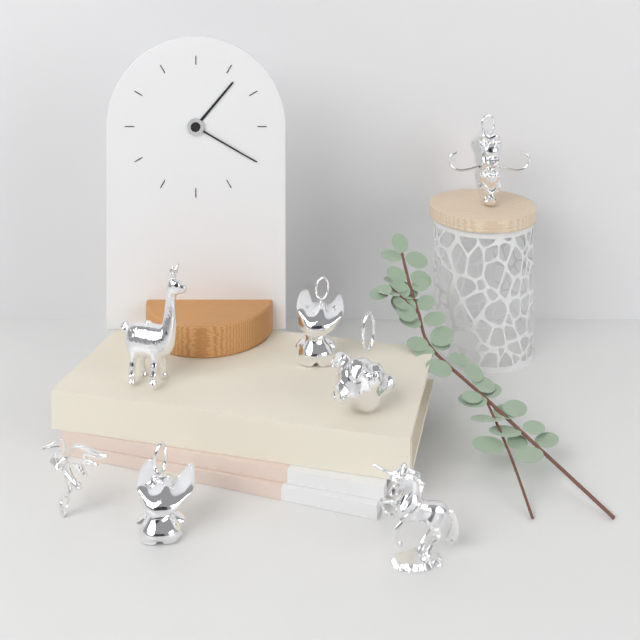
h=1 m=20
